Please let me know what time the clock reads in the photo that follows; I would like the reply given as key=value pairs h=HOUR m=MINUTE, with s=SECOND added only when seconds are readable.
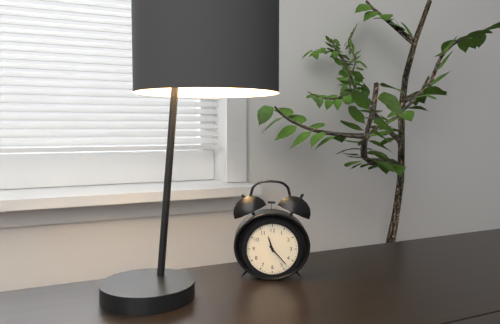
h=11 m=23
